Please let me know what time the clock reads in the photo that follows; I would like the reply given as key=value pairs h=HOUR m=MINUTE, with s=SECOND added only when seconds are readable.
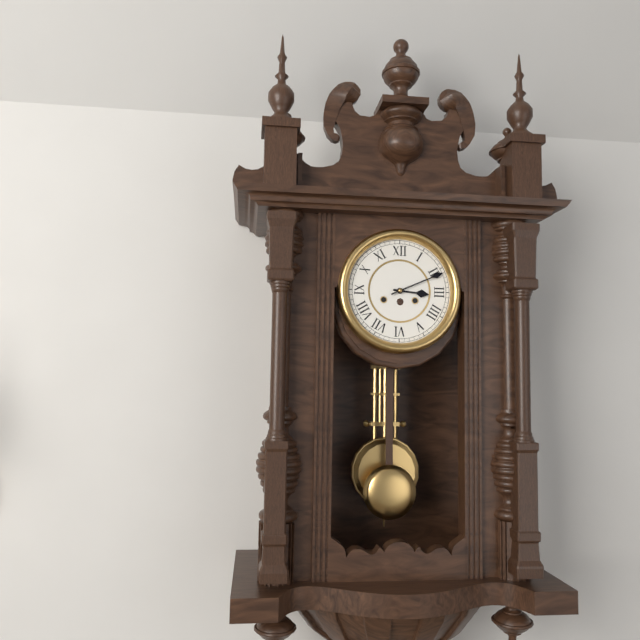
h=3 m=11
